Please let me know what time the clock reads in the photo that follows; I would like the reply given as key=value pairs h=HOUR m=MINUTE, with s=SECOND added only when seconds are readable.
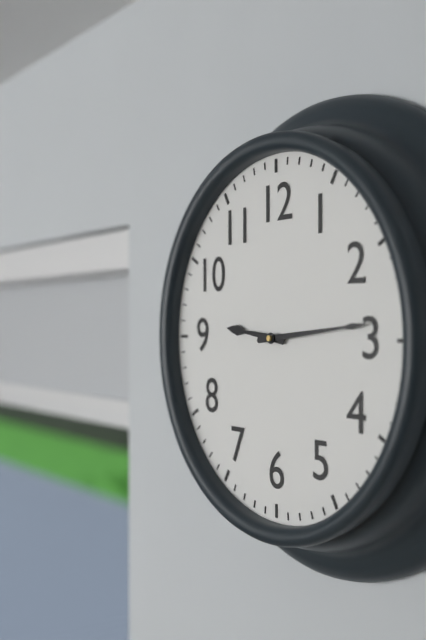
h=9 m=14
